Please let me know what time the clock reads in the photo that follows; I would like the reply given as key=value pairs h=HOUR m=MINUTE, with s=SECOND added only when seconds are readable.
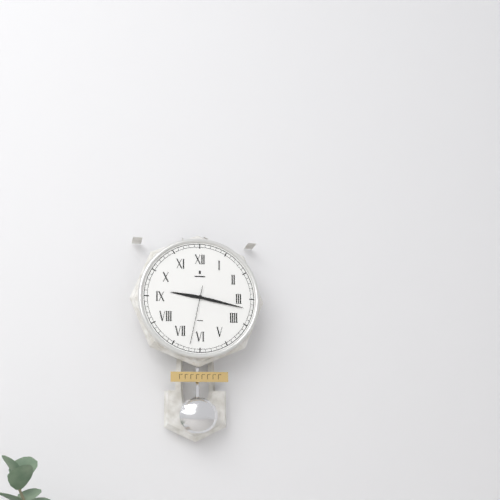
h=9 m=17 s=32
